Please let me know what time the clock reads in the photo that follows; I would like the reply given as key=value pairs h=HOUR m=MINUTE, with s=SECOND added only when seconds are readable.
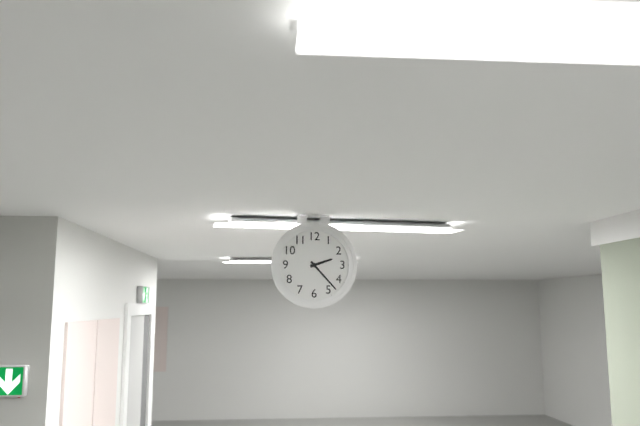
h=2 m=23
